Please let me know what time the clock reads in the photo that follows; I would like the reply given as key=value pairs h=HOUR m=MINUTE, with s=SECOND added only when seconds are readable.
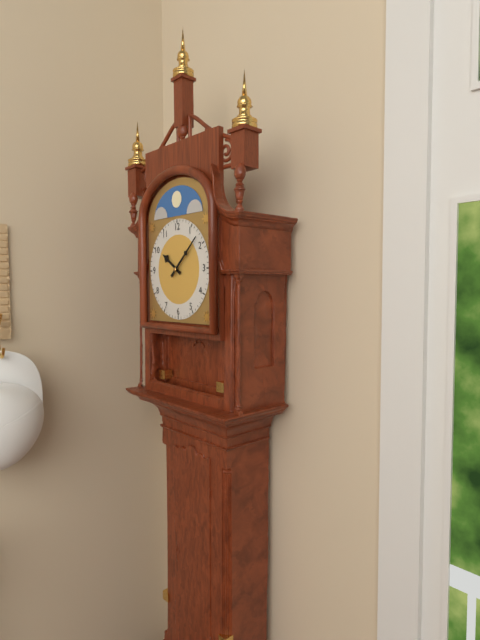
h=10 m=8
